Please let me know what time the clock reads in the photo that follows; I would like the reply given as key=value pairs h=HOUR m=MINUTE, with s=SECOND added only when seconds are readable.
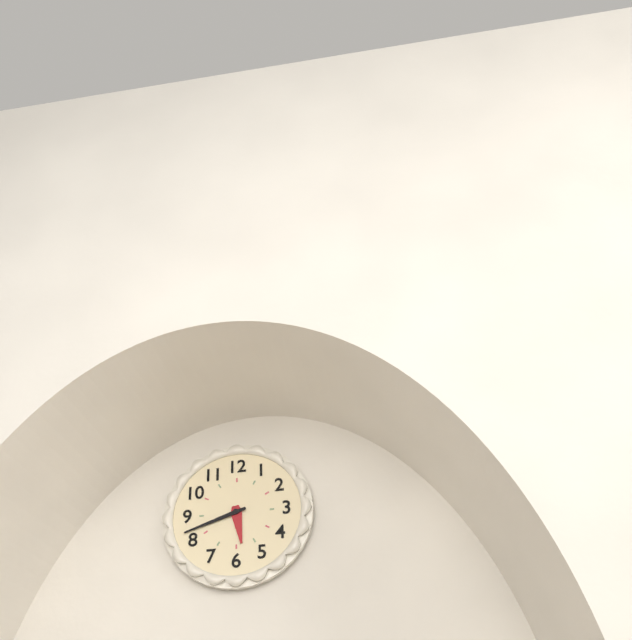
h=5 m=42
